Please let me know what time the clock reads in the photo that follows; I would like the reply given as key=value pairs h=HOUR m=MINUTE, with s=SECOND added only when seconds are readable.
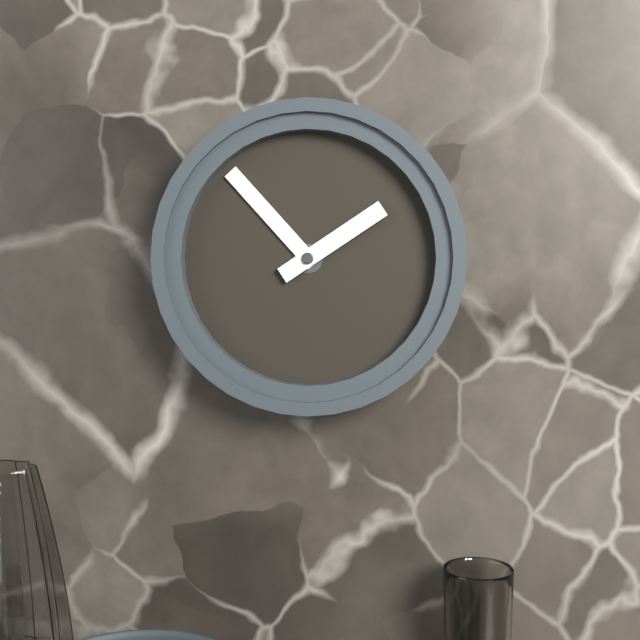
h=1 m=53
